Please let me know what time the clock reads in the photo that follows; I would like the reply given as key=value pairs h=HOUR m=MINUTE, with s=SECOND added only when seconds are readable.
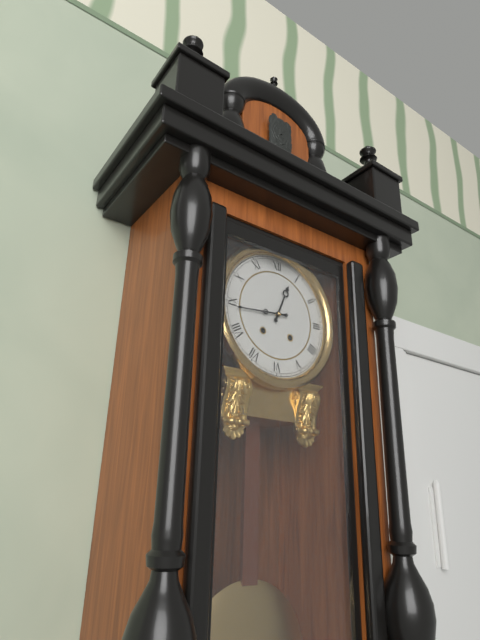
h=12 m=44
